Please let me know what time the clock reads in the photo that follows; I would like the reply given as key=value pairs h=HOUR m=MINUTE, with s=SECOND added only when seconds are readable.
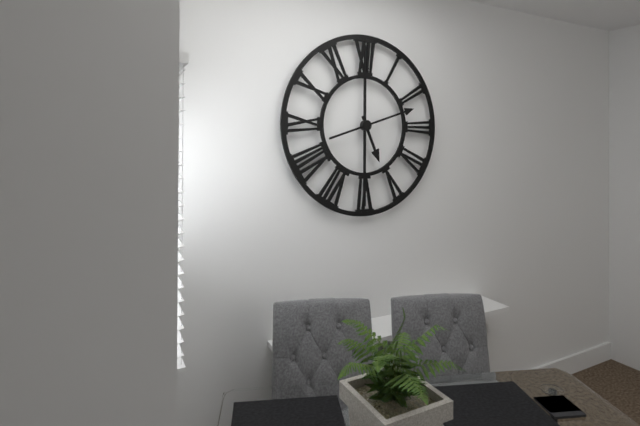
h=5 m=12
